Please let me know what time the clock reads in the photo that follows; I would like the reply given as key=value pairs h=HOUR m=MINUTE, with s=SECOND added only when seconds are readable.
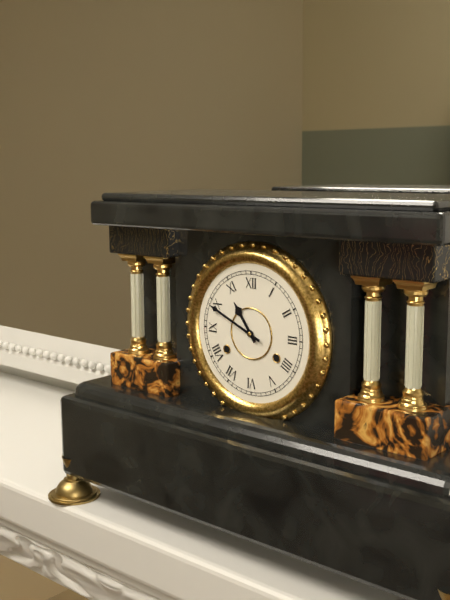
h=10 m=49
